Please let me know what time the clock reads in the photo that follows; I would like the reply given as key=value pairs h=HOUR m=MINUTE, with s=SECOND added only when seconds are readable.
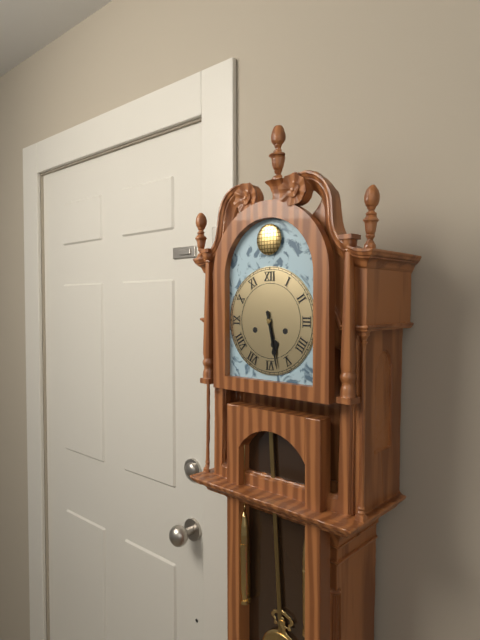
h=5 m=28
